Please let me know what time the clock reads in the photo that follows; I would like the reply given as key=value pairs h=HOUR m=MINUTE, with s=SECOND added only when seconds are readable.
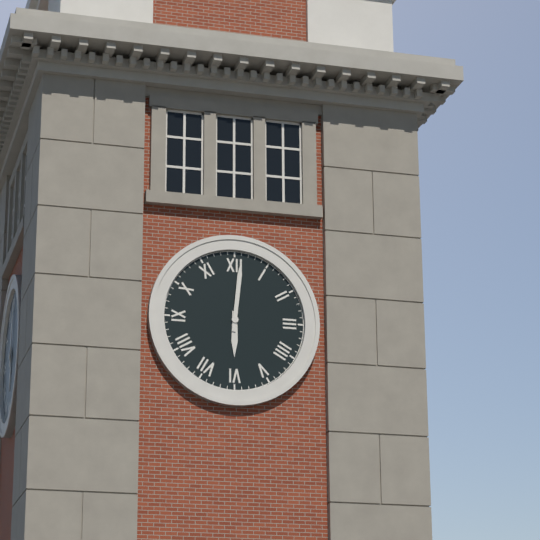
h=6 m=1
